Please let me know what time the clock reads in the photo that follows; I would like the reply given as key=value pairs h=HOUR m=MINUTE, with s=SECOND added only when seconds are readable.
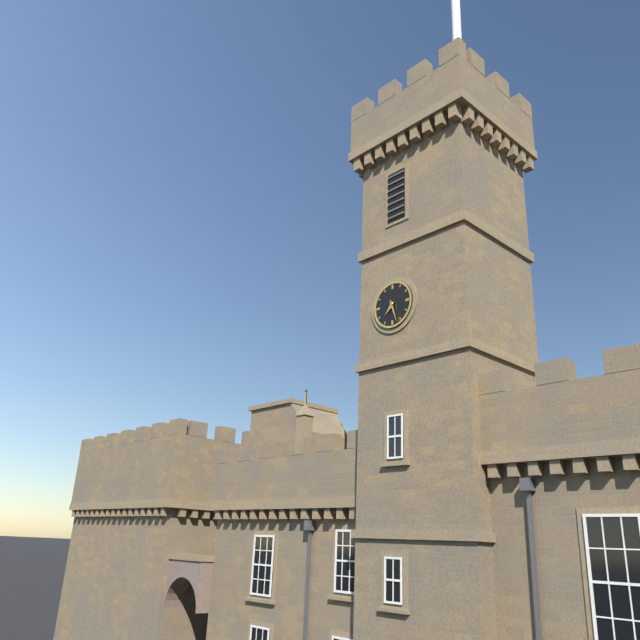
h=7 m=27
